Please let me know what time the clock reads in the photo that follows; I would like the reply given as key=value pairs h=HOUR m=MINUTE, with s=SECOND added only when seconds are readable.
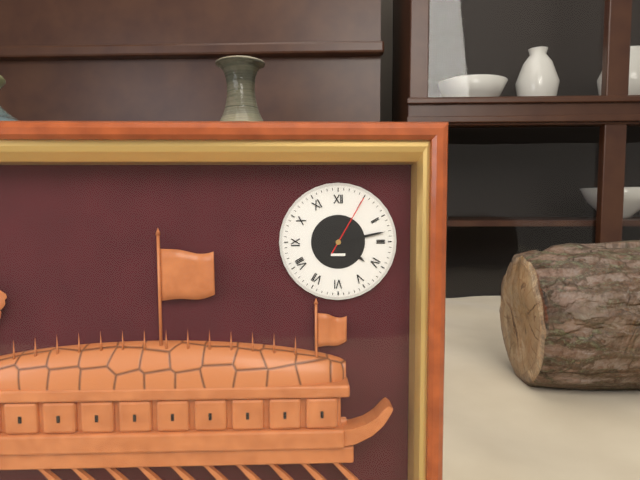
h=4 m=13 s=5
